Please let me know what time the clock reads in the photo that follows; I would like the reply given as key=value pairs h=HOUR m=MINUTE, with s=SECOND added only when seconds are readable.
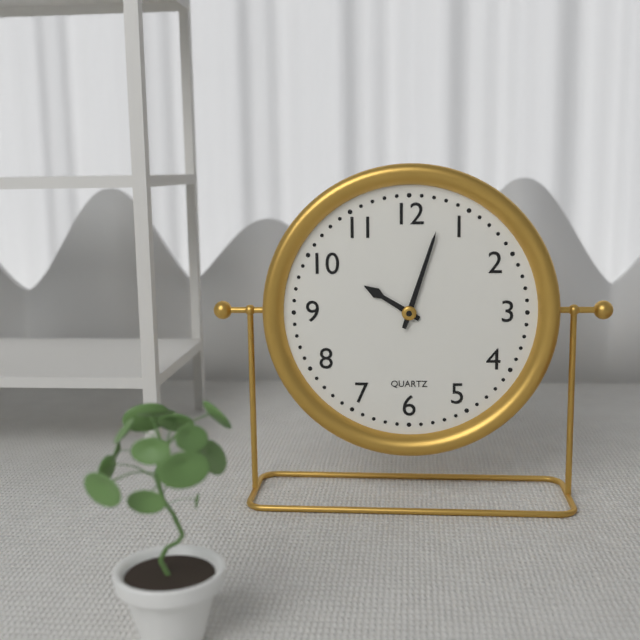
h=10 m=3
